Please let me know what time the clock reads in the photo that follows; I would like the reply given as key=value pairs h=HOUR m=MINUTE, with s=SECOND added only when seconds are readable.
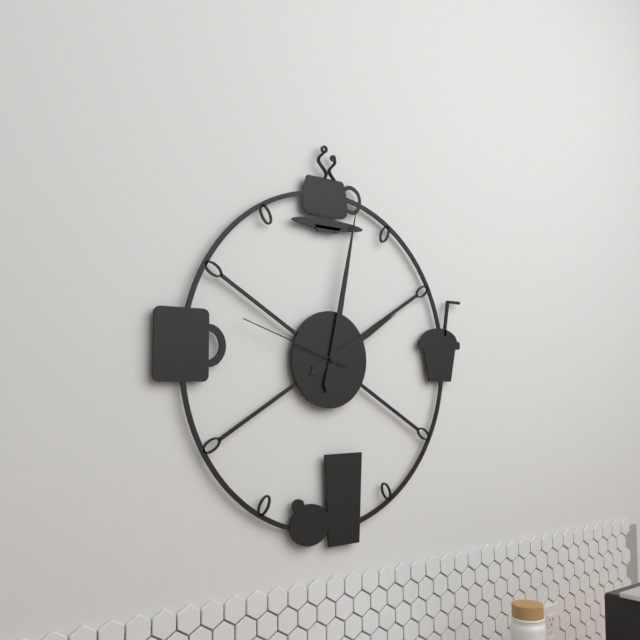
h=2 m=2 s=48
